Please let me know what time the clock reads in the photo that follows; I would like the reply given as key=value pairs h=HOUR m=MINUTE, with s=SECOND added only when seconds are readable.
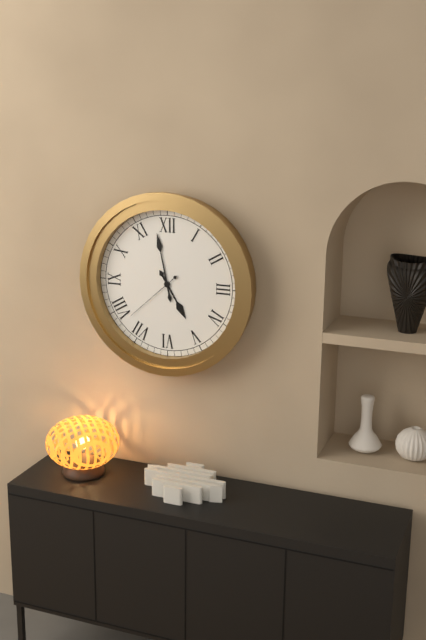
h=4 m=58 s=38
